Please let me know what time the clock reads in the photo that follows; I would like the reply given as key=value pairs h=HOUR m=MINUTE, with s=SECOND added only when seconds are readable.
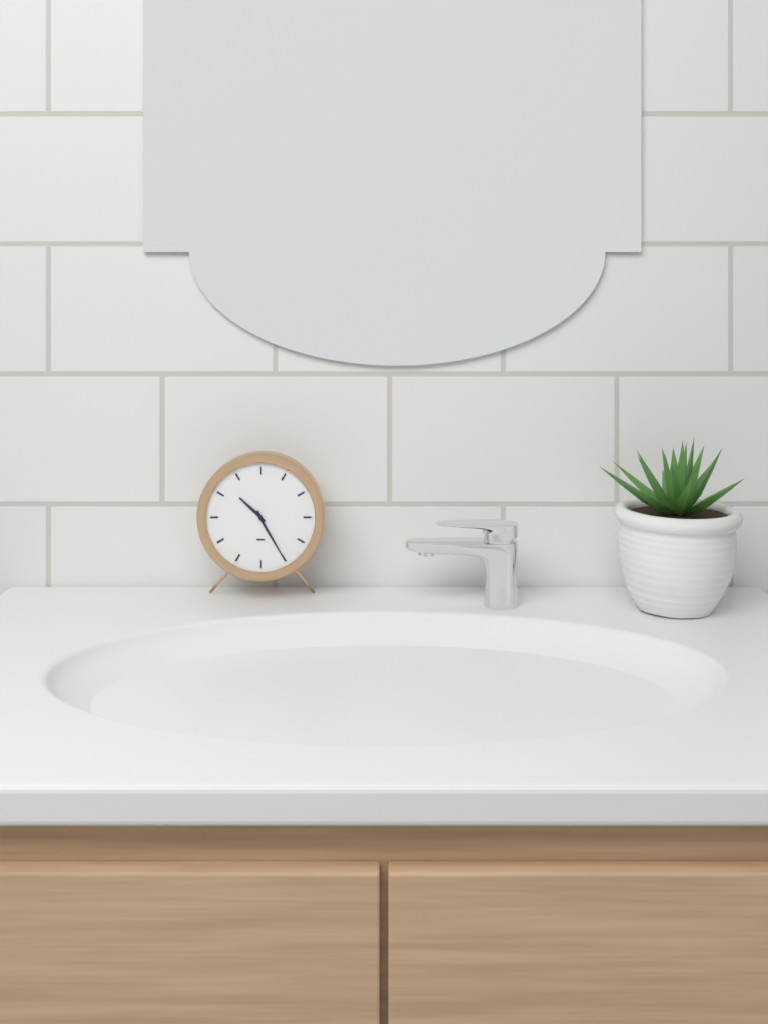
h=10 m=25
